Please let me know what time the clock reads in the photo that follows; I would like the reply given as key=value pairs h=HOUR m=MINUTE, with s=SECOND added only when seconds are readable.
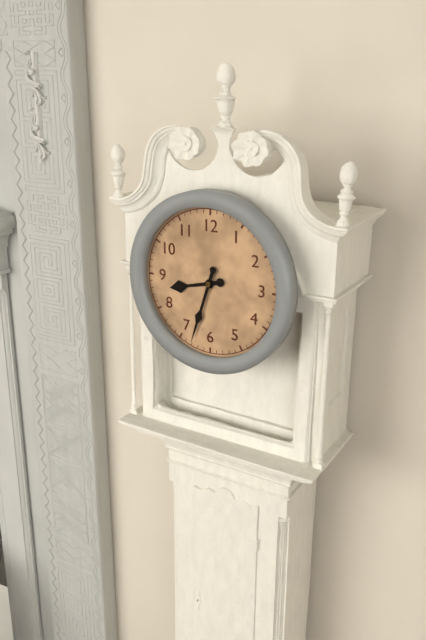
h=8 m=33
